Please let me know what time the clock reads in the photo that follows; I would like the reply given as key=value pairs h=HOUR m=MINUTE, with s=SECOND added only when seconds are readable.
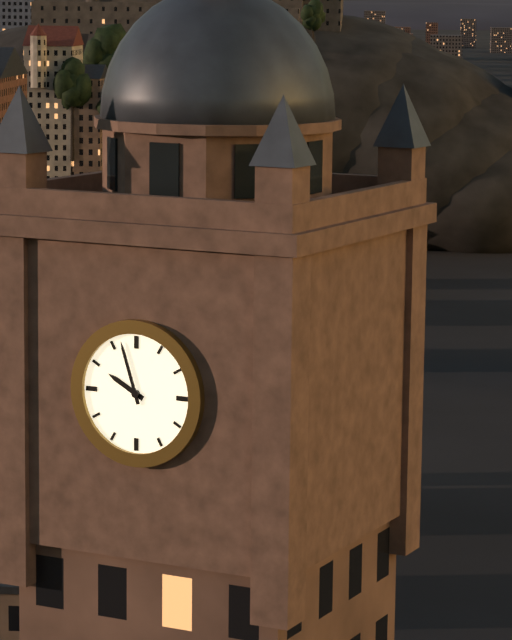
h=9 m=57
